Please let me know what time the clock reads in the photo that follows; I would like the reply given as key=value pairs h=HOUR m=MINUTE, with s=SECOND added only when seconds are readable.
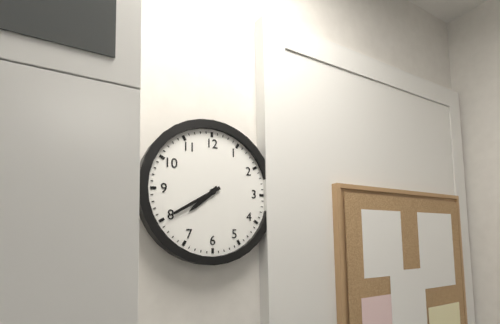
h=7 m=40
